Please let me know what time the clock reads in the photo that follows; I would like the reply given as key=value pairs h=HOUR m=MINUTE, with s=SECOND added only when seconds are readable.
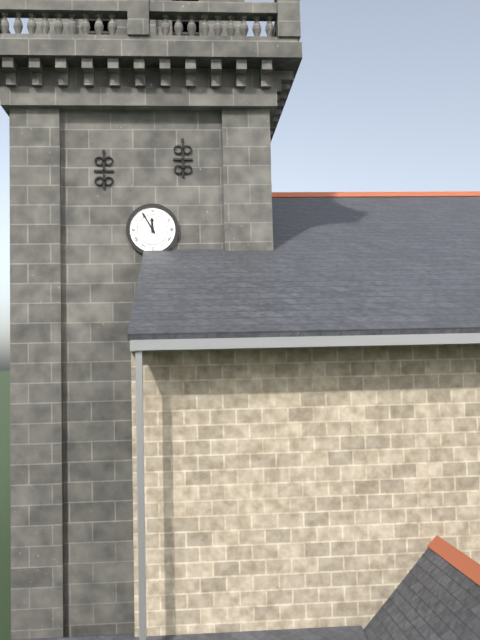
h=11 m=55
